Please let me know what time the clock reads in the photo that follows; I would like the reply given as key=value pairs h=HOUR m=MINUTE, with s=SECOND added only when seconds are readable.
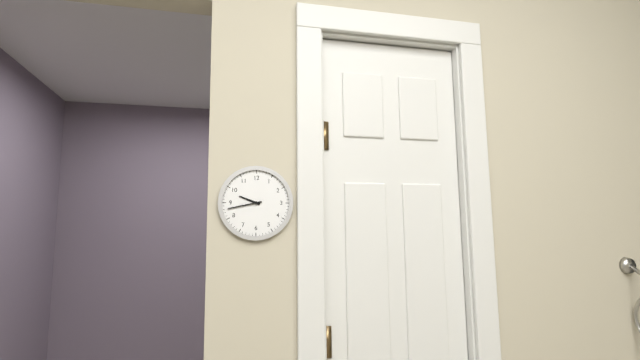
h=9 m=43
